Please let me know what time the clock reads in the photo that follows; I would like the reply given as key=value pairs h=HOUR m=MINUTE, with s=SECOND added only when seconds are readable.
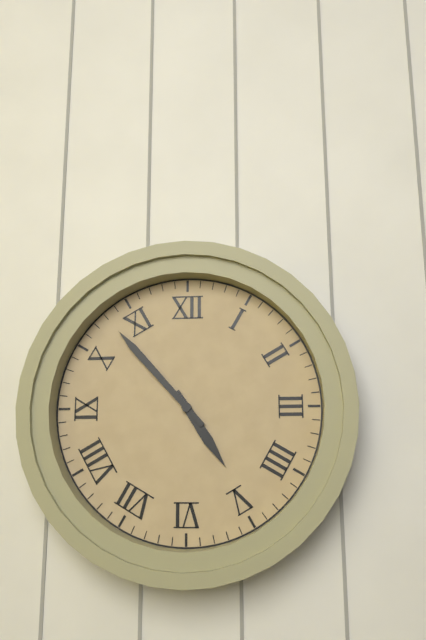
h=4 m=53
